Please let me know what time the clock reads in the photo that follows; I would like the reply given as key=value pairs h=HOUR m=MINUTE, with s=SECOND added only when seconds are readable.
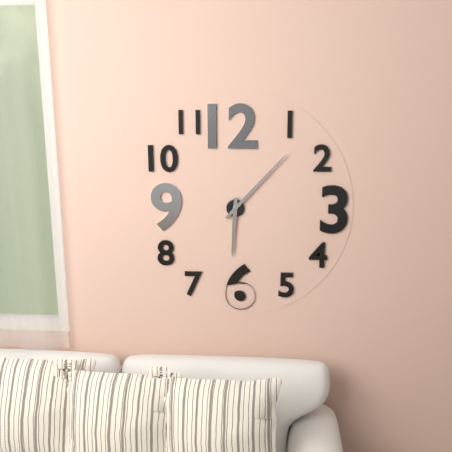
h=6 m=7
